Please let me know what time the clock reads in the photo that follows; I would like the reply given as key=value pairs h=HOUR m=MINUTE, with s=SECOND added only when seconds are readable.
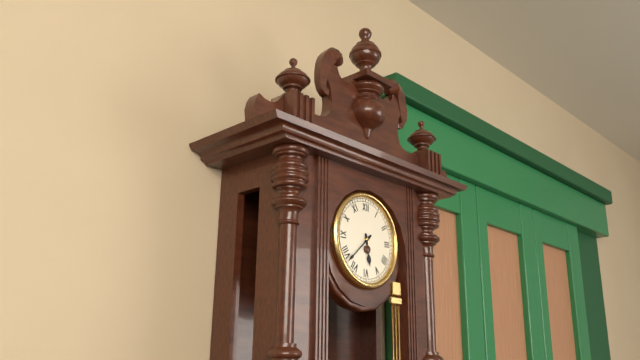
h=5 m=38
